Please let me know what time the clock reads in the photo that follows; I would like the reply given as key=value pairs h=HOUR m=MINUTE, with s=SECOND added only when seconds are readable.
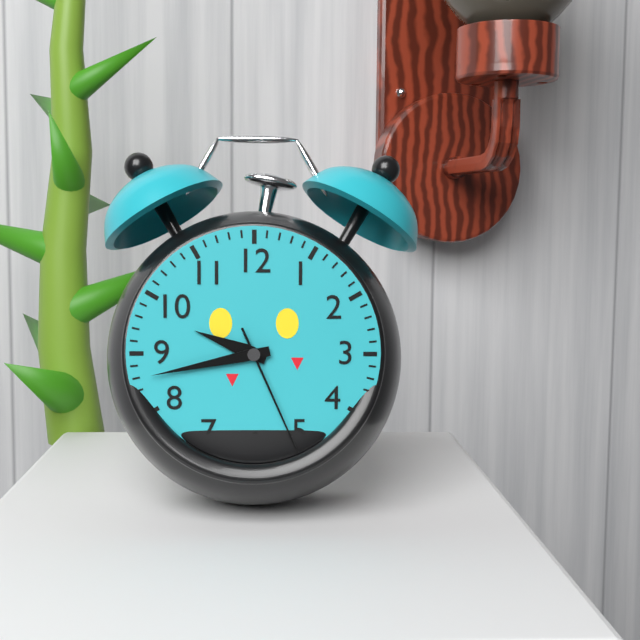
h=9 m=43 s=26
